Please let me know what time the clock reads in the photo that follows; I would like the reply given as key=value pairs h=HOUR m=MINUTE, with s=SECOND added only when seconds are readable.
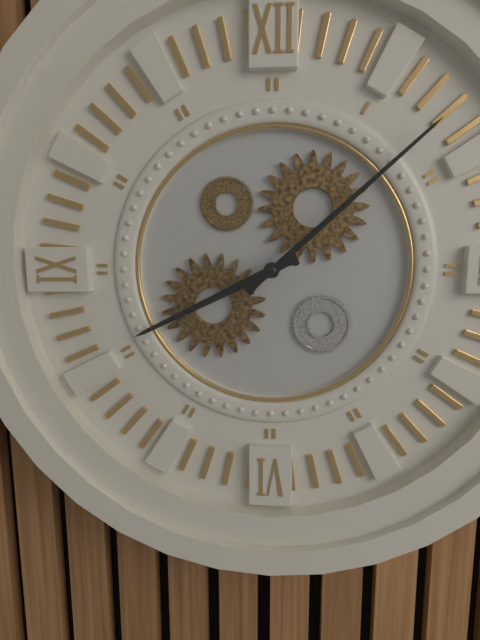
h=8 m=8
